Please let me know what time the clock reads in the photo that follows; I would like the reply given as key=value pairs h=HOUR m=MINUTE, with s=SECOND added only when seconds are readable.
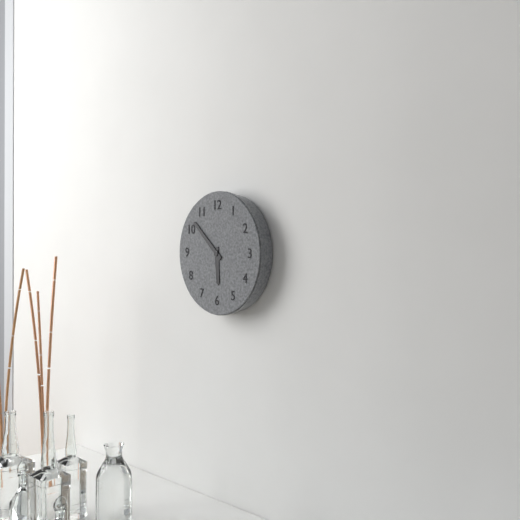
h=5 m=52
